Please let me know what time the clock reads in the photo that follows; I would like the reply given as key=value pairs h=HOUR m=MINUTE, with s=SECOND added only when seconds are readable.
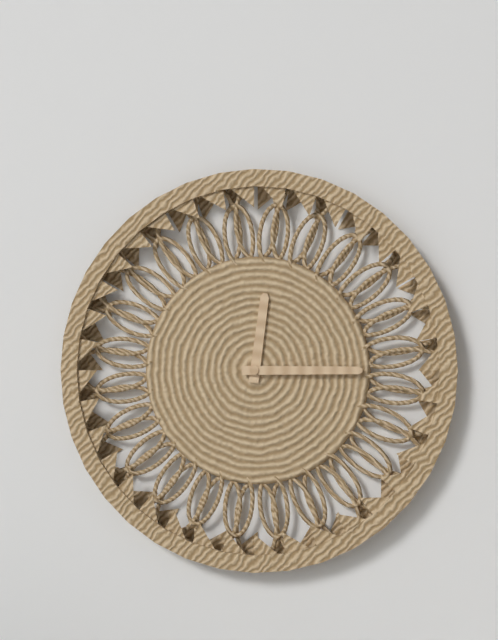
h=12 m=15
